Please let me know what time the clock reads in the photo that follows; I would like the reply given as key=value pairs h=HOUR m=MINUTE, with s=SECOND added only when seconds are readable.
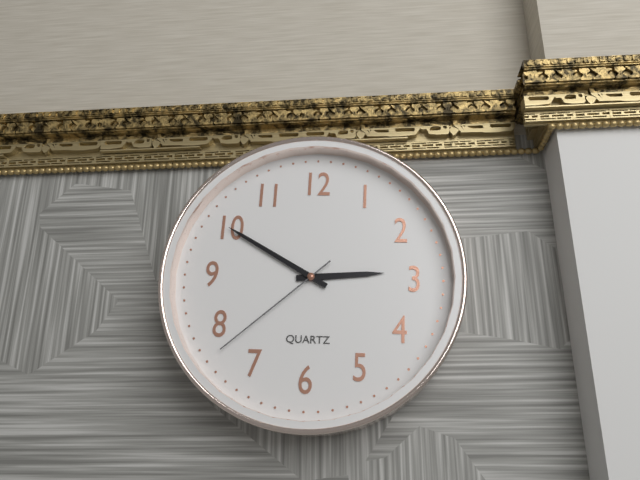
h=2 m=50 s=38
